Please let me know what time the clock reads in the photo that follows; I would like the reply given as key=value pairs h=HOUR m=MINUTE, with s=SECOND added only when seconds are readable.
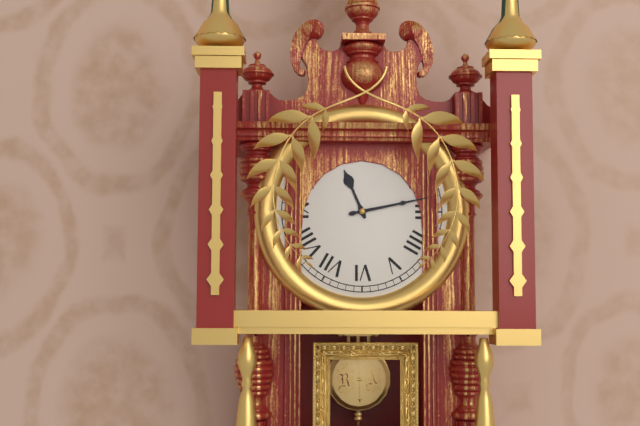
h=11 m=13
